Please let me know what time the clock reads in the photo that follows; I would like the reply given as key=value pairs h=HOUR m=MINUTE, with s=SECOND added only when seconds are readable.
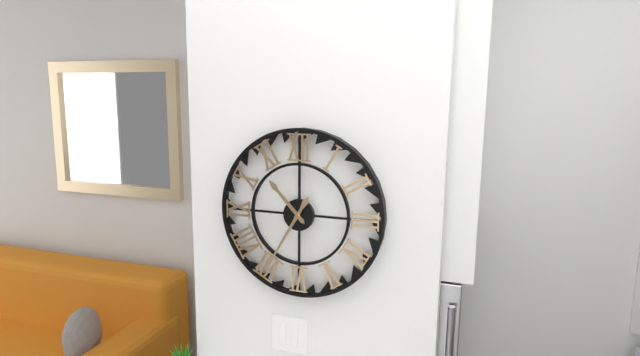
h=10 m=35
